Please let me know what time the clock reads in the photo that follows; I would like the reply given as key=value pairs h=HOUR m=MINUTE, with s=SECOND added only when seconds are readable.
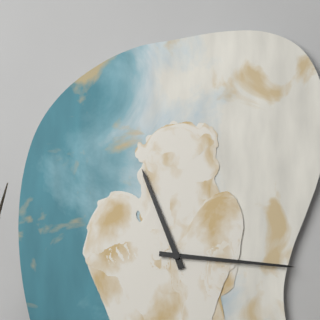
h=11 m=16
